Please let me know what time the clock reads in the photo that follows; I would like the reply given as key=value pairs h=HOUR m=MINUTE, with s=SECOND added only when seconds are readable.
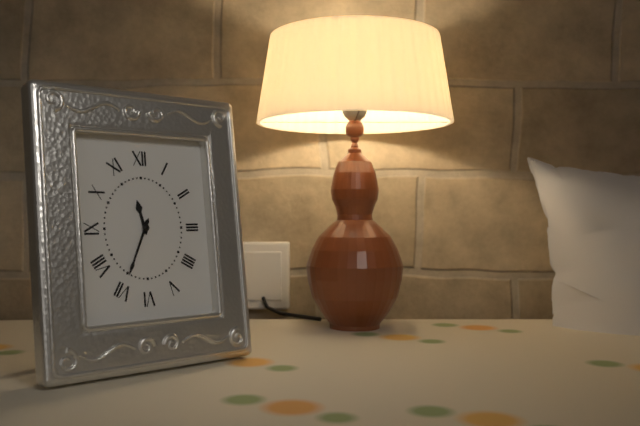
h=11 m=34
